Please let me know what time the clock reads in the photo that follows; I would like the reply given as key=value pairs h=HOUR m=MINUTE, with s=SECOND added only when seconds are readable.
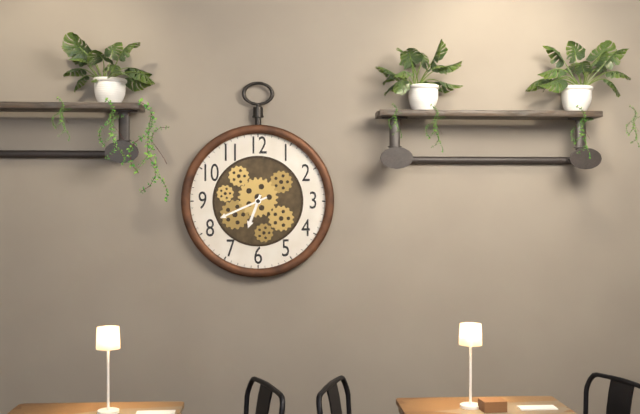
h=6 m=41
